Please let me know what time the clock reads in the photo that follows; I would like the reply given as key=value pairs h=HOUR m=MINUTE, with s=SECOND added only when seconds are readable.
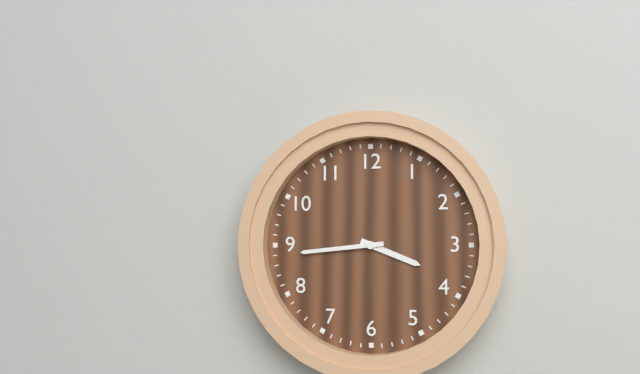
h=3 m=44
